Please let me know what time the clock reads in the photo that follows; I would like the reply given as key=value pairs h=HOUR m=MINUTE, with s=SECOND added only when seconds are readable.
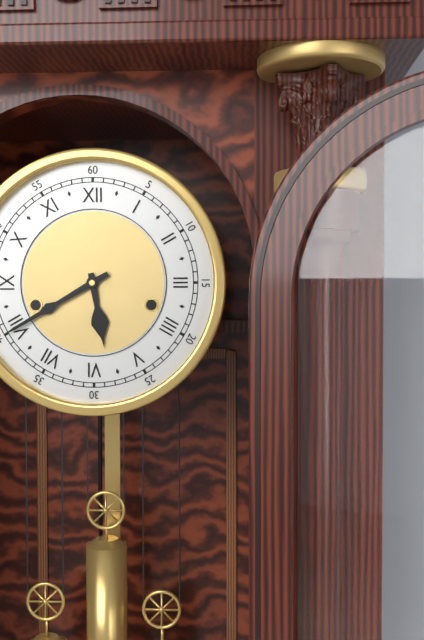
h=5 m=40
